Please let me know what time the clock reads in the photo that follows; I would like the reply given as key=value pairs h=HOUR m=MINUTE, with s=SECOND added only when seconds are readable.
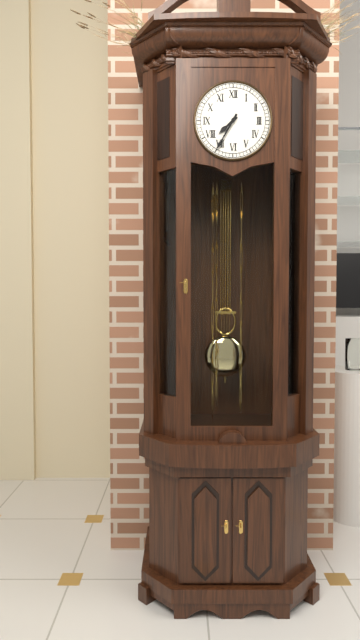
h=7 m=35
